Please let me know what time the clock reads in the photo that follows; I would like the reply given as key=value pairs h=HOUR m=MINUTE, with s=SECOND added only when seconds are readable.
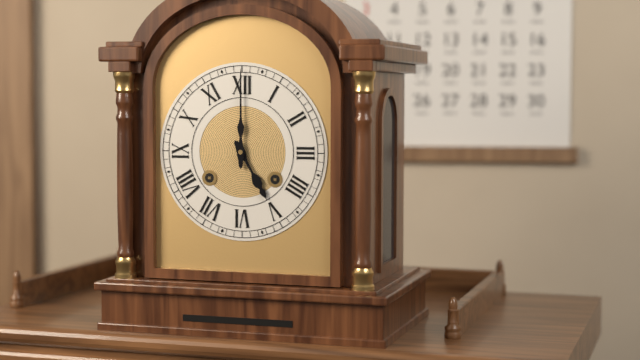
h=5 m=0
